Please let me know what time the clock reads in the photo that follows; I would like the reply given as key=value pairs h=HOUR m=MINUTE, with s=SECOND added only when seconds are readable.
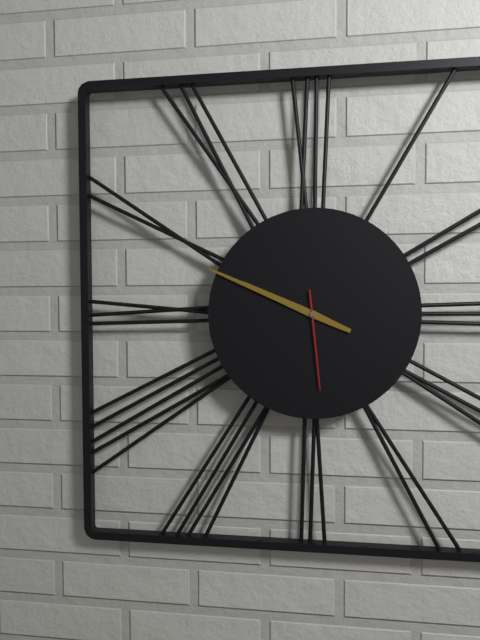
h=9 m=49 s=29
